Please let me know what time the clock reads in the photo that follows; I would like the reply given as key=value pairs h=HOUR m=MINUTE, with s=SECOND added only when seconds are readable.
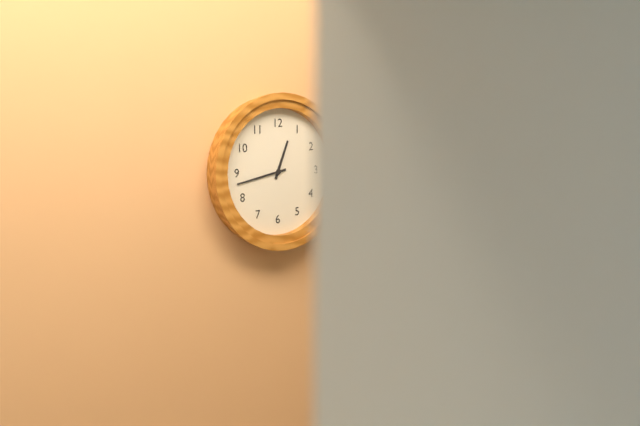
h=12 m=43
